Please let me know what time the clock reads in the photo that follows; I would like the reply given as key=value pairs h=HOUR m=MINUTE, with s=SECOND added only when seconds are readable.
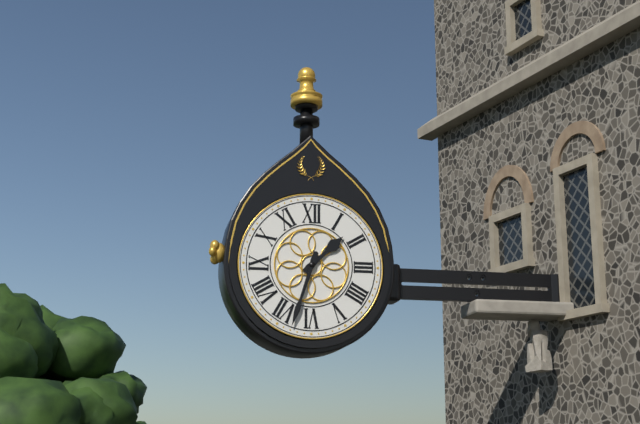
h=1 m=33
